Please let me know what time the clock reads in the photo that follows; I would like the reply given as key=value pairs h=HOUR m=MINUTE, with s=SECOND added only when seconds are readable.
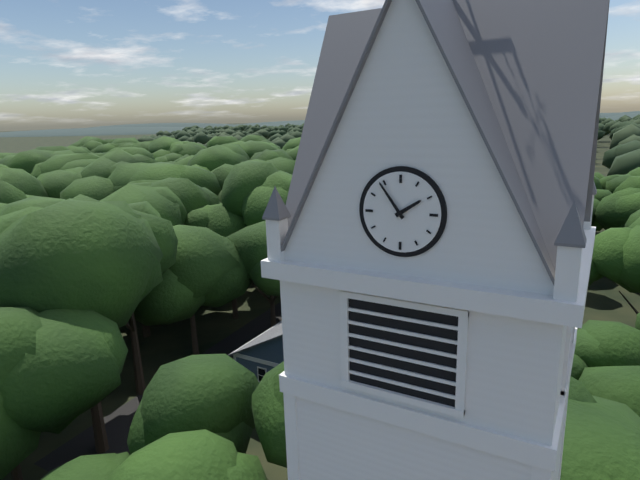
h=1 m=54
